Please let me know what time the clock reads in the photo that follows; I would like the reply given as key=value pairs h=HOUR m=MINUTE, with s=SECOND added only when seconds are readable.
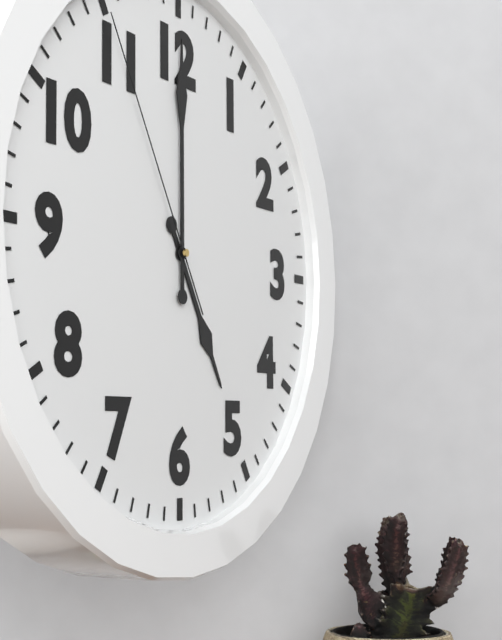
h=5 m=0 s=55
